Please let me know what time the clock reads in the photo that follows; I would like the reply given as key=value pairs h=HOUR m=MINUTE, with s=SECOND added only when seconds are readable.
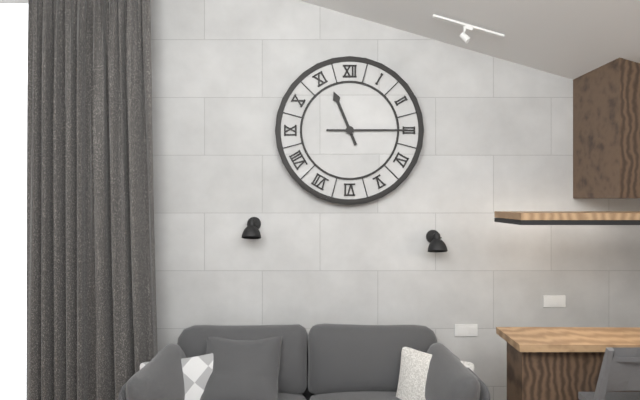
h=11 m=15
